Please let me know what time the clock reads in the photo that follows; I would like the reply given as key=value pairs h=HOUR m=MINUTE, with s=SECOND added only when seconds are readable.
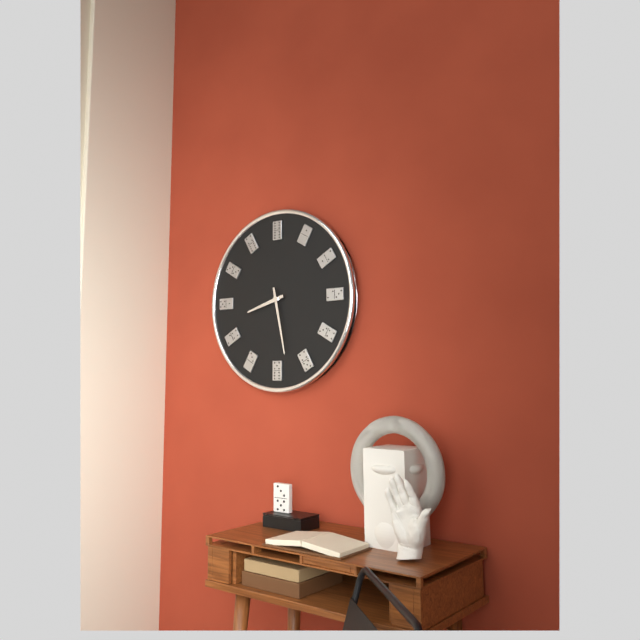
h=8 m=28
